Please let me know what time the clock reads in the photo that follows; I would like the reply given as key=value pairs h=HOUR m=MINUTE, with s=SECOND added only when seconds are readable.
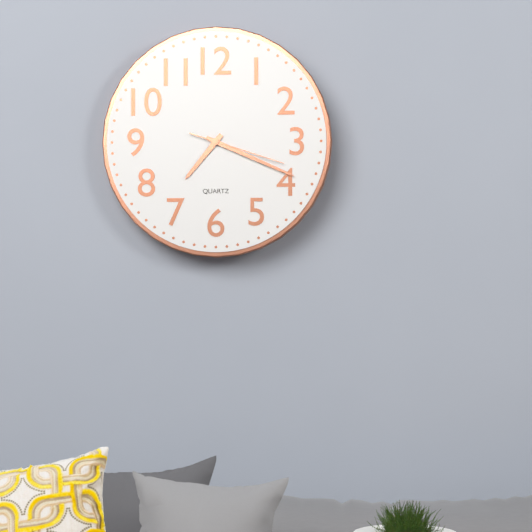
h=7 m=19 s=18
